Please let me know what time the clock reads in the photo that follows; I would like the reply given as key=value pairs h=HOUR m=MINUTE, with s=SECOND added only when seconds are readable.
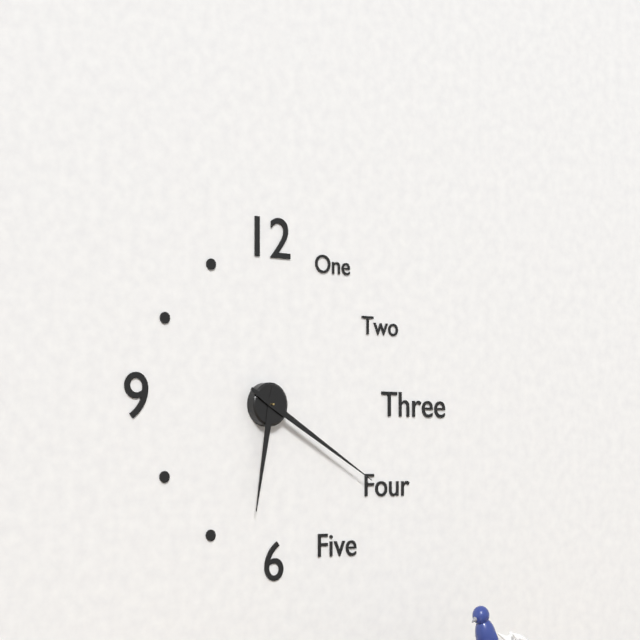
h=6 m=20
